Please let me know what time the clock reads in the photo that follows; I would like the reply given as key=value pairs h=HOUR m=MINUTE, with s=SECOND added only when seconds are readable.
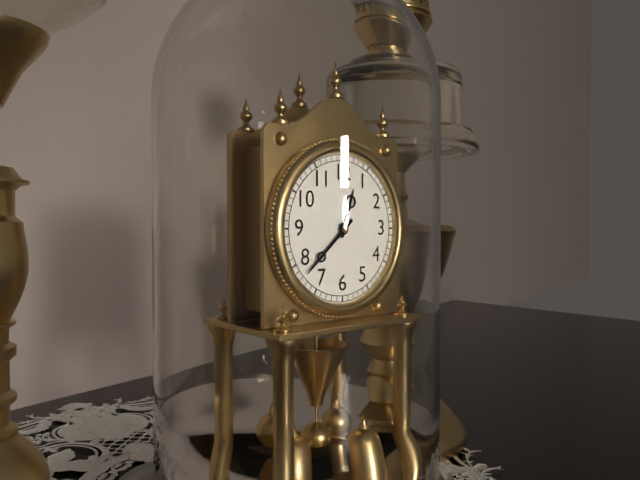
h=12 m=38
